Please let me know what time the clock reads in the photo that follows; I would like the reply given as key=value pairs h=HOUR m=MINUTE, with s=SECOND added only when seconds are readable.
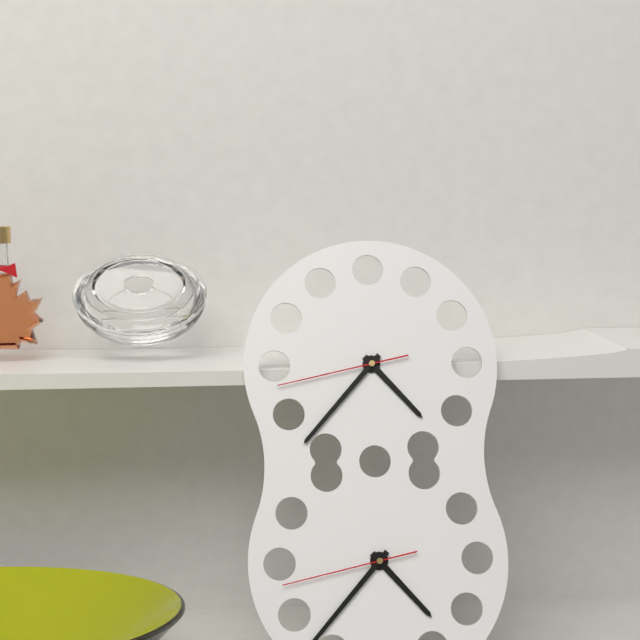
h=4 m=37 s=43
